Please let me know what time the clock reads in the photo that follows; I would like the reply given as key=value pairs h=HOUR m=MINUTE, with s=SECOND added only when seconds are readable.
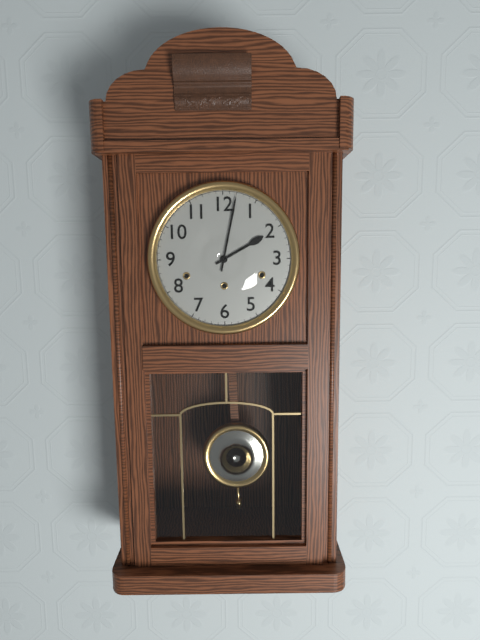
h=2 m=2
